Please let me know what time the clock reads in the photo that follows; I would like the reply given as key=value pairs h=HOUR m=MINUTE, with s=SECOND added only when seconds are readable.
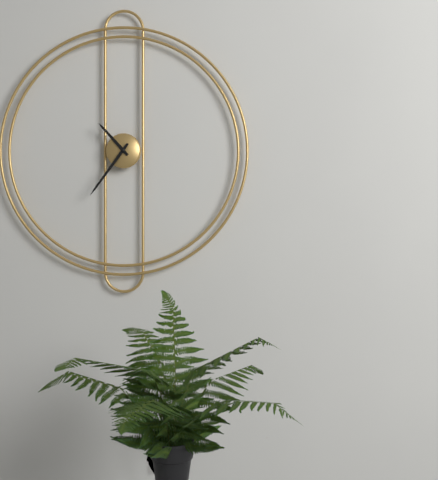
h=10 m=36
